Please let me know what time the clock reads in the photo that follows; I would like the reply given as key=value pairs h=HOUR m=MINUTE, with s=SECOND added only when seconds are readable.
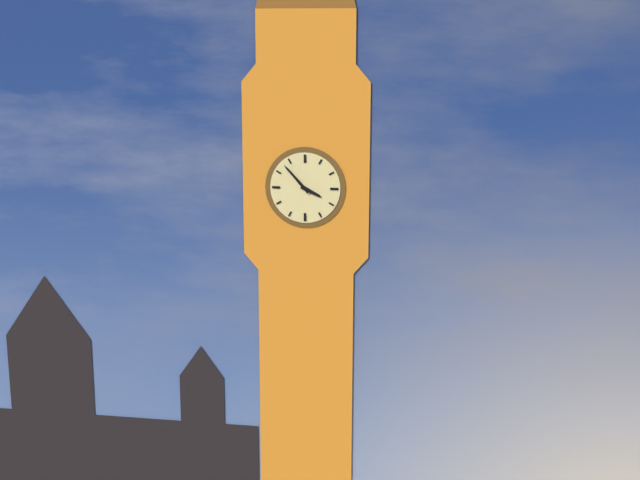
h=3 m=53
